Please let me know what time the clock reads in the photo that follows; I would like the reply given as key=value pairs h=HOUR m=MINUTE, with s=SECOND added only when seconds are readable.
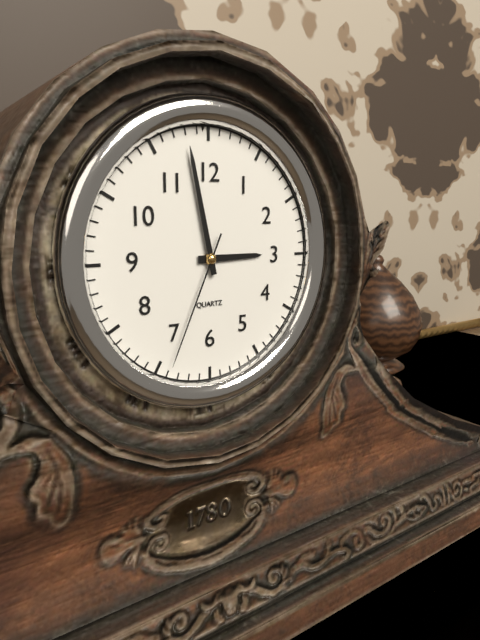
h=2 m=58 s=34
